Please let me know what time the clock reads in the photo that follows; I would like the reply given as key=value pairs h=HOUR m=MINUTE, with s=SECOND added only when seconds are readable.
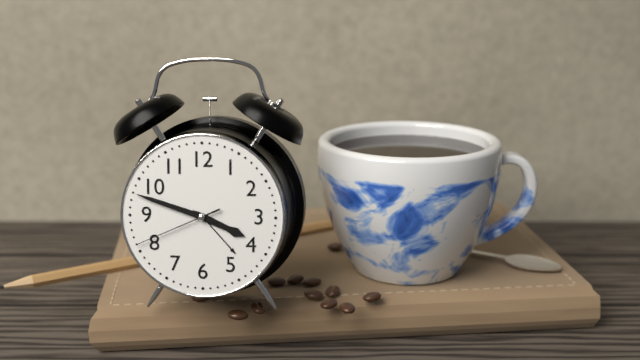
h=3 m=48 s=41
